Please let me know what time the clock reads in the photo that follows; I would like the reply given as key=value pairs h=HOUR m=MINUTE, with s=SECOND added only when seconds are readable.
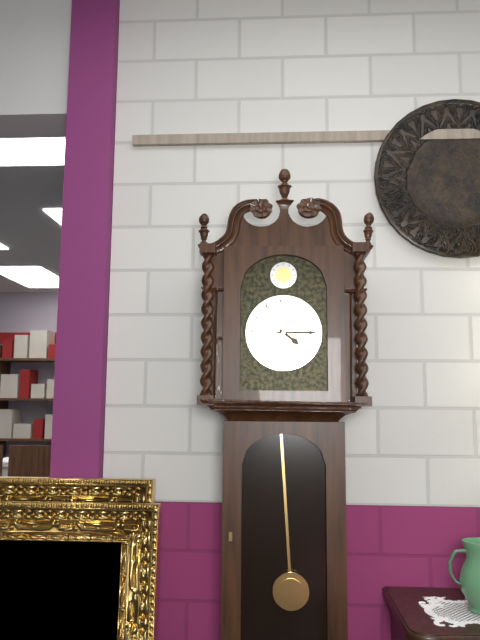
h=4 m=15
